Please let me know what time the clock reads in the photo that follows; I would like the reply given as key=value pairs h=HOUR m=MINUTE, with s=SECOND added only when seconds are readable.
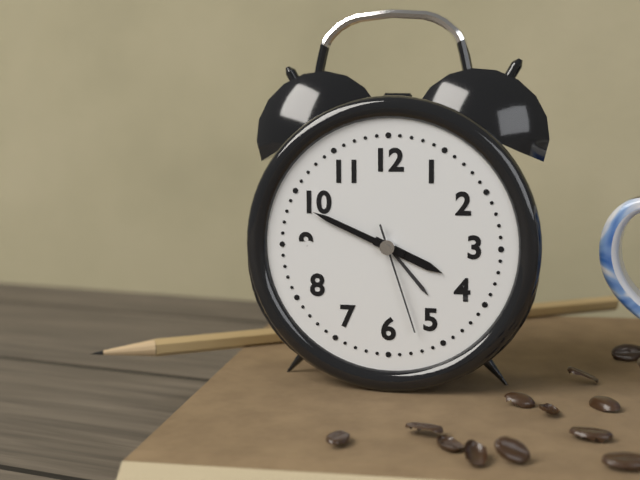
h=3 m=49 s=27
